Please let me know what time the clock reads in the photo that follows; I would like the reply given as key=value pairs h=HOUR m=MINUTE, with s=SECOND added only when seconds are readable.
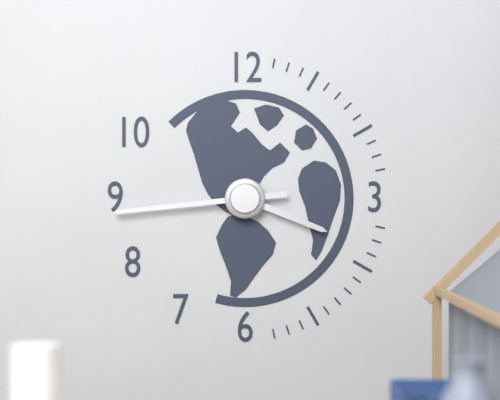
h=3 m=44
